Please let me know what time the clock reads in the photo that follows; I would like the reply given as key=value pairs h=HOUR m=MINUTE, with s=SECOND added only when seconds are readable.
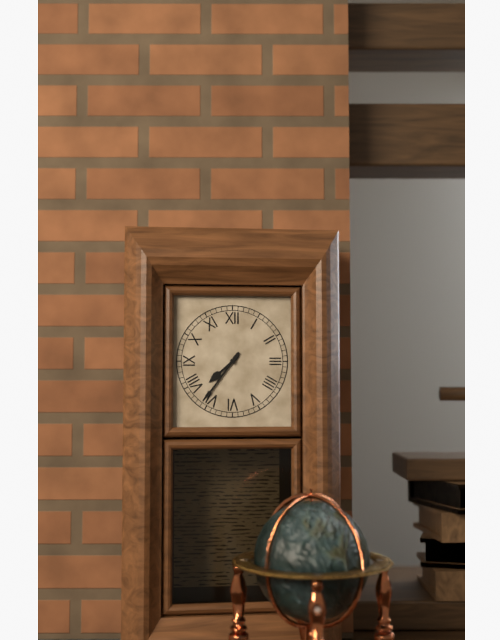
h=7 m=36
